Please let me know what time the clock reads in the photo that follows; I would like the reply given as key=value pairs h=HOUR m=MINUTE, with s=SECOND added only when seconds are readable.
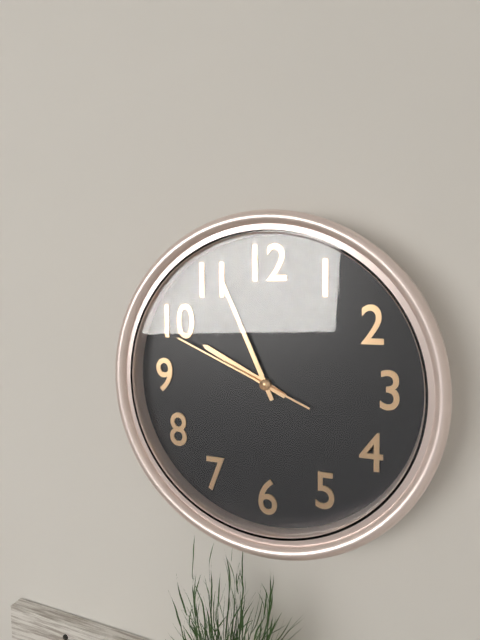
h=9 m=56 s=49
